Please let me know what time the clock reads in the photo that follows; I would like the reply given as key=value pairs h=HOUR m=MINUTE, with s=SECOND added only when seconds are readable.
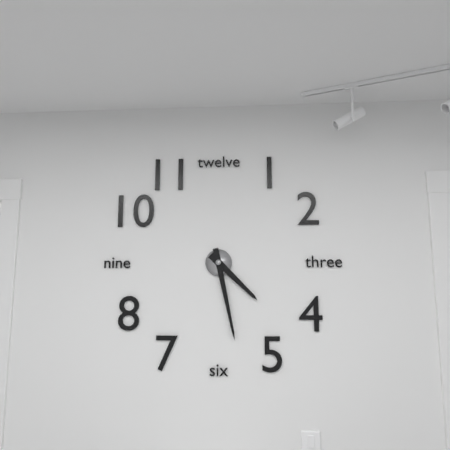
h=4 m=28
